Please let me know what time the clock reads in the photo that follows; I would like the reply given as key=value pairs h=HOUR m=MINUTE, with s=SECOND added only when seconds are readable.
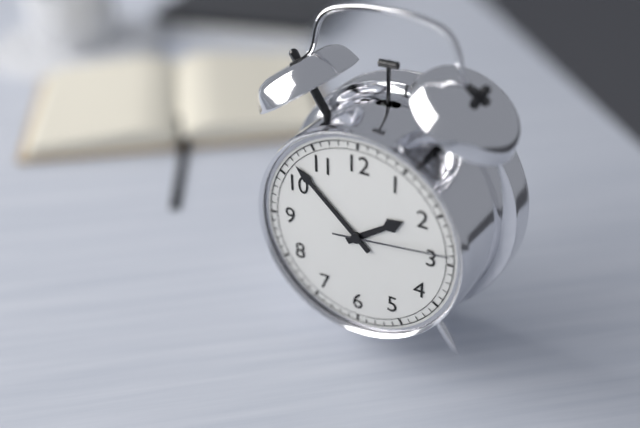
h=1 m=52 s=14
